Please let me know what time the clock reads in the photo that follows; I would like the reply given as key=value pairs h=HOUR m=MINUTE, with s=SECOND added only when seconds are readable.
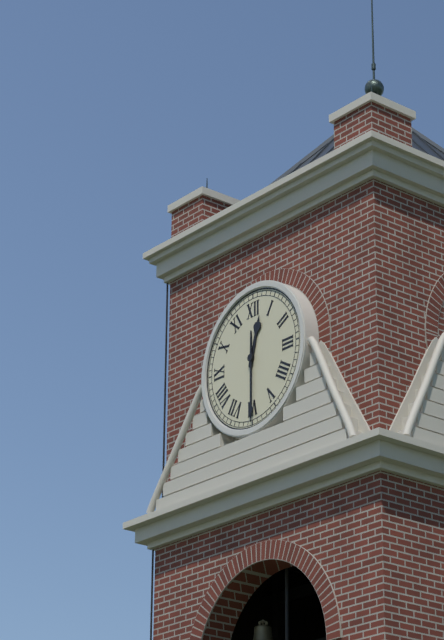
h=12 m=30
